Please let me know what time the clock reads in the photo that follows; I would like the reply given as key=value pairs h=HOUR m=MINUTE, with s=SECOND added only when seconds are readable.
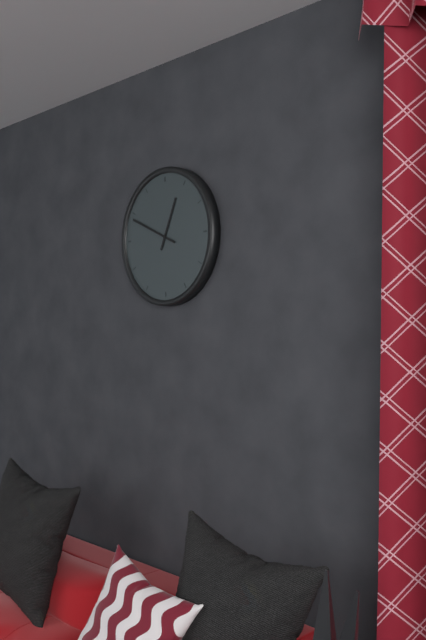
h=12 m=49
